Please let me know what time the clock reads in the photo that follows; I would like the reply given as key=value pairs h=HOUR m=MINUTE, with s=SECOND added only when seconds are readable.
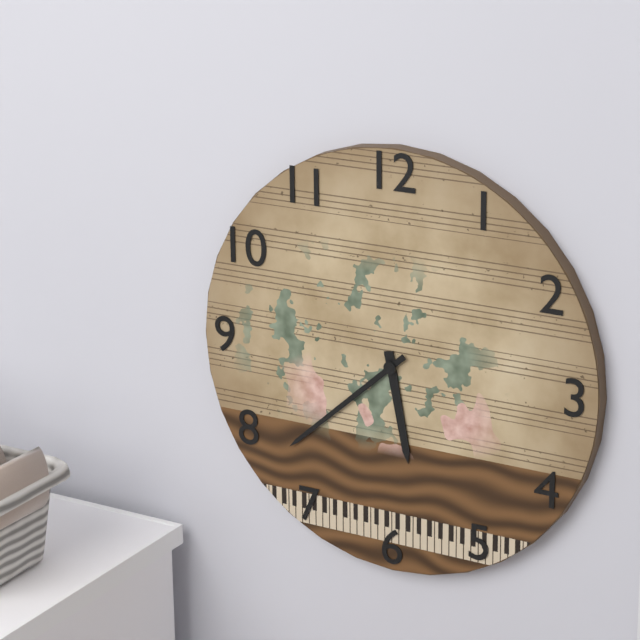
h=5 m=38
